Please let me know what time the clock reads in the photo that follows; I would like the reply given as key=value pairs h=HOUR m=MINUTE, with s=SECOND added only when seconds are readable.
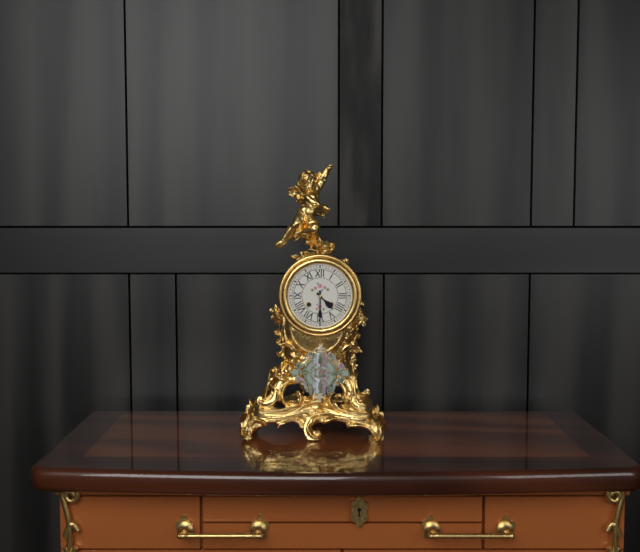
h=4 m=30
